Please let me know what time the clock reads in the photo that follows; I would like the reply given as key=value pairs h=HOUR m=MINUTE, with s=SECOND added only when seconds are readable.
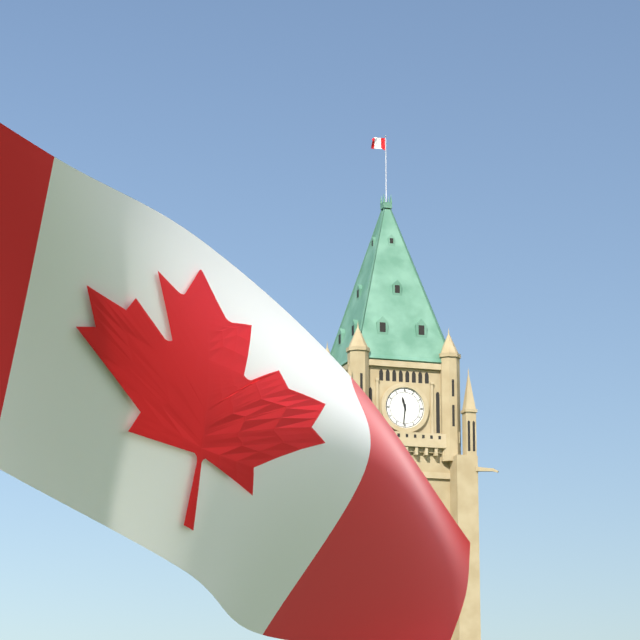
h=11 m=31
